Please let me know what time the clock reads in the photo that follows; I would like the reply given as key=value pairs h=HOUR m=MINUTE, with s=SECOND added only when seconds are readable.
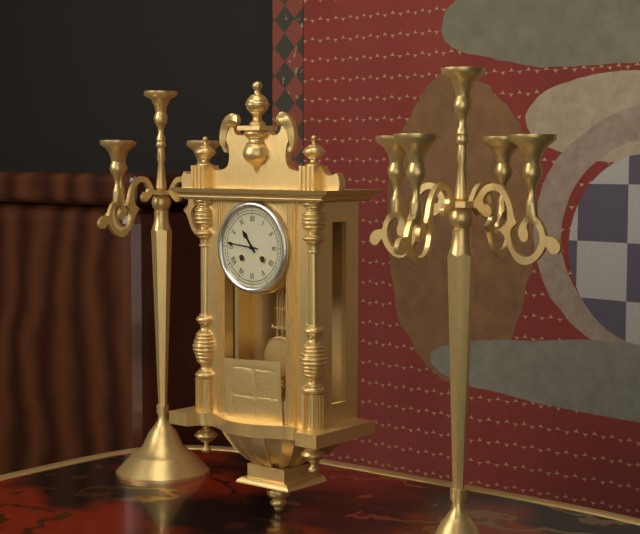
h=10 m=46
